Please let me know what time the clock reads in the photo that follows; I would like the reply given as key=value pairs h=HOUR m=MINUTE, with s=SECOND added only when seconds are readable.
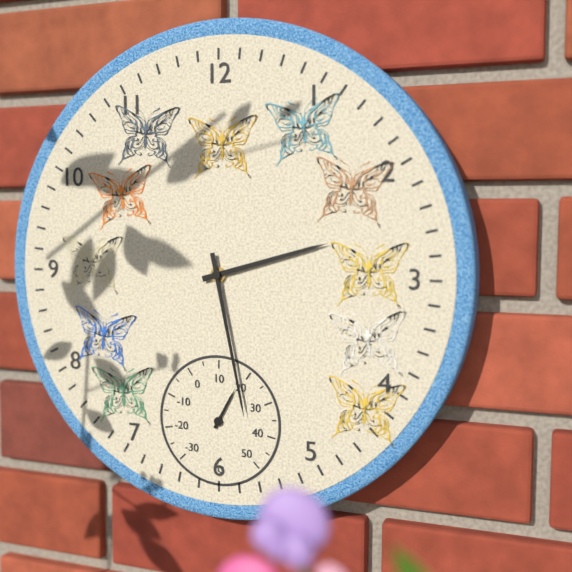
h=2 m=28
